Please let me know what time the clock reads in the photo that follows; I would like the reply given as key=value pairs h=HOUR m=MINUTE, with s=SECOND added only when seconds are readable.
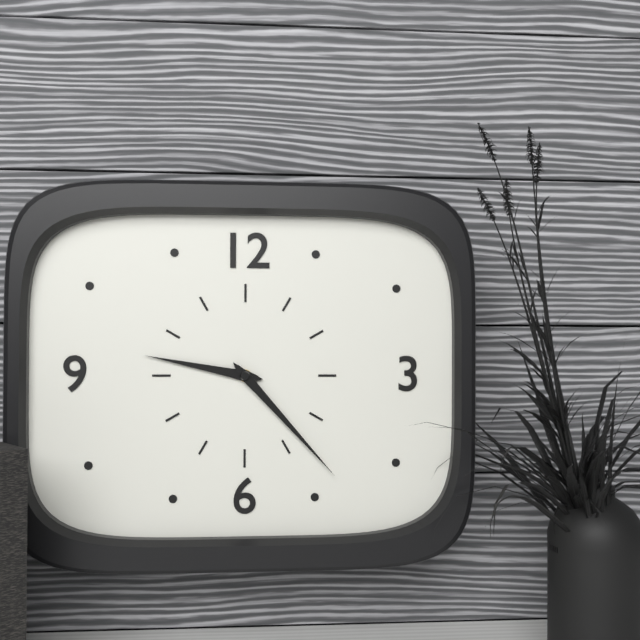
h=9 m=23
